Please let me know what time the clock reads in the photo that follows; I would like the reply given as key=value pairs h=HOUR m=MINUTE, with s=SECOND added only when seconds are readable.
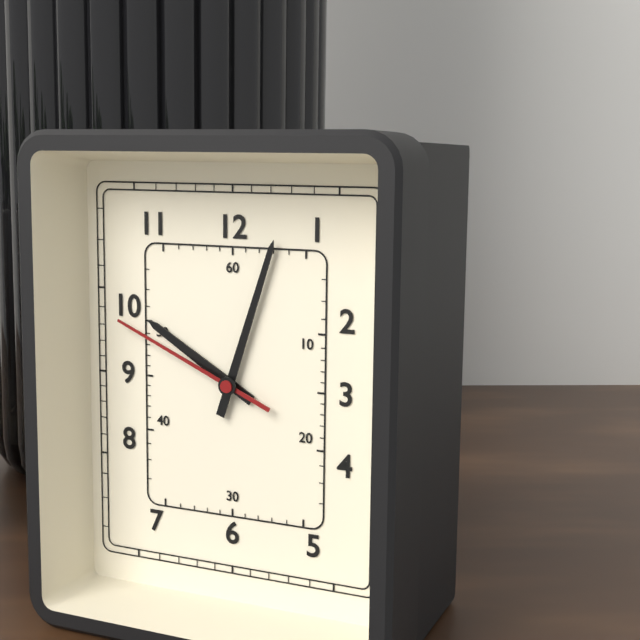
h=10 m=3 s=49
